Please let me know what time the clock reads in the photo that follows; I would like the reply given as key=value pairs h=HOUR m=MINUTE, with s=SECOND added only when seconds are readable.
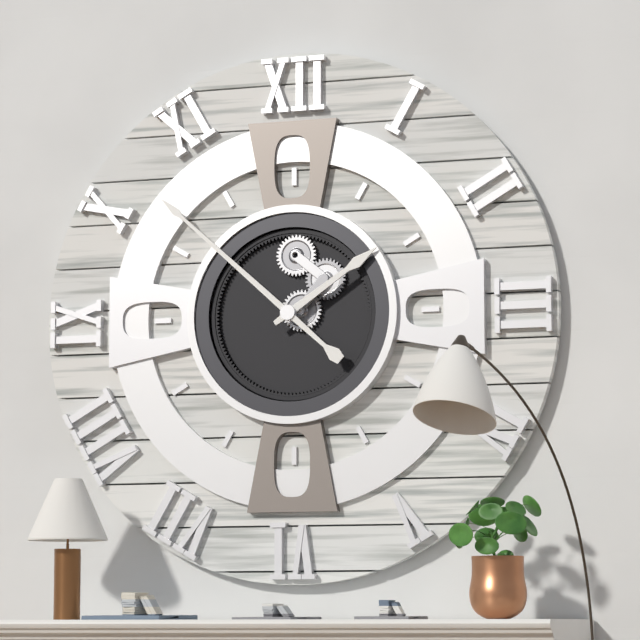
h=1 m=52
